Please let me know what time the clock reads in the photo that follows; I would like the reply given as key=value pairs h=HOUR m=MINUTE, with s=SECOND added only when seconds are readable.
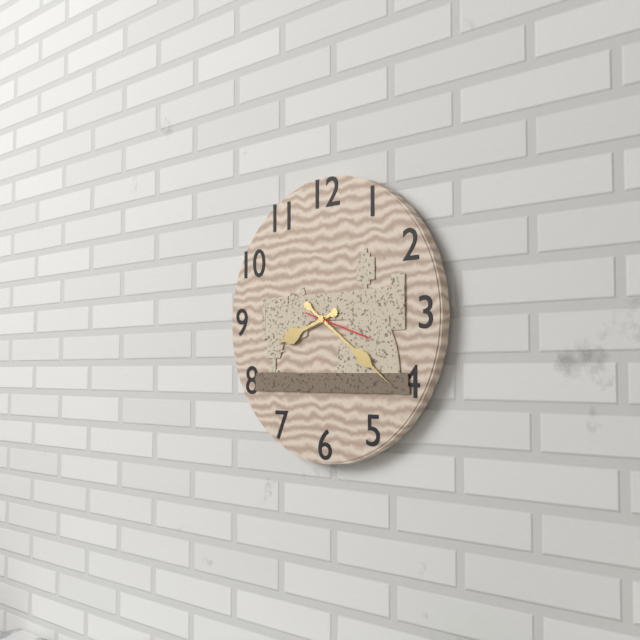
h=8 m=21 s=18
